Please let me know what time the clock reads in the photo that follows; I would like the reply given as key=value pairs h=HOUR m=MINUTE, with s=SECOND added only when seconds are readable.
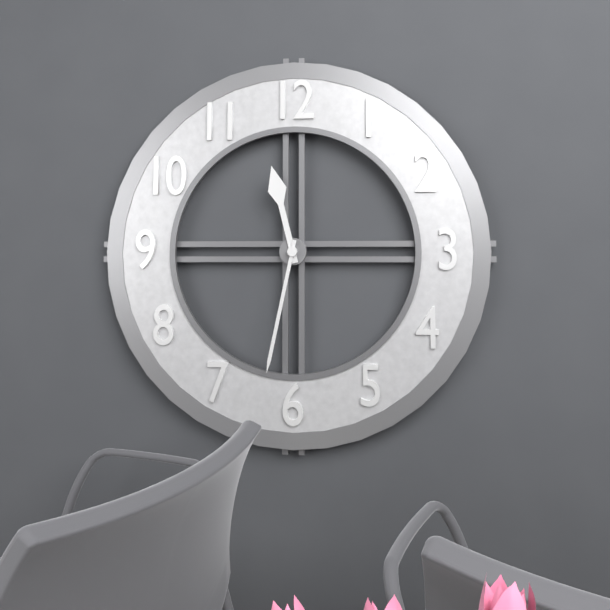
h=11 m=32
